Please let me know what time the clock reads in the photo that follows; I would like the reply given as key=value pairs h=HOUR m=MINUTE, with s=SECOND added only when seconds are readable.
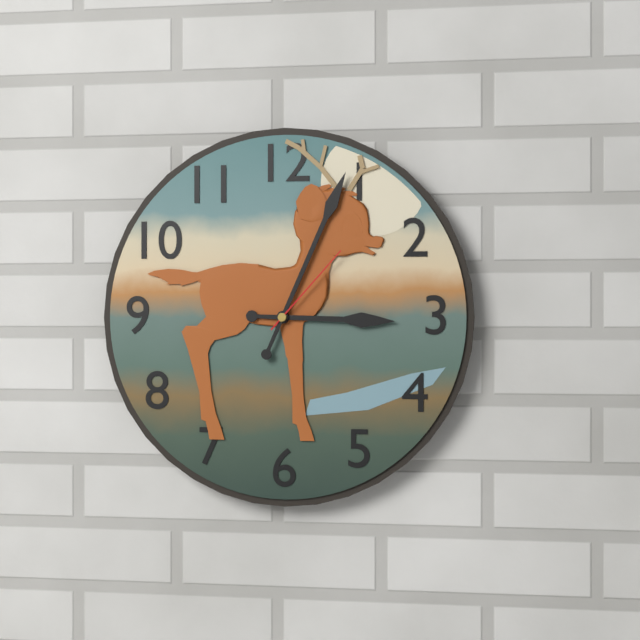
h=3 m=4 s=7
